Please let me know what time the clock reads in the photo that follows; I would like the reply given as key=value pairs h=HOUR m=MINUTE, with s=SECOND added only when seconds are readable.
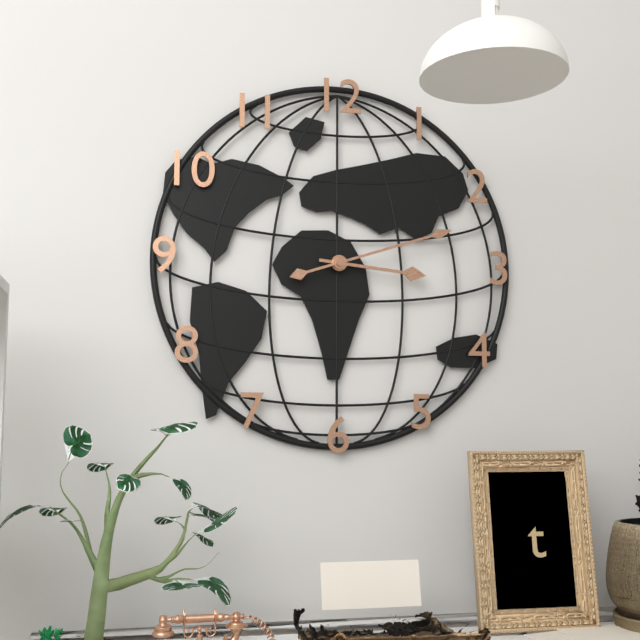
h=3 m=12
